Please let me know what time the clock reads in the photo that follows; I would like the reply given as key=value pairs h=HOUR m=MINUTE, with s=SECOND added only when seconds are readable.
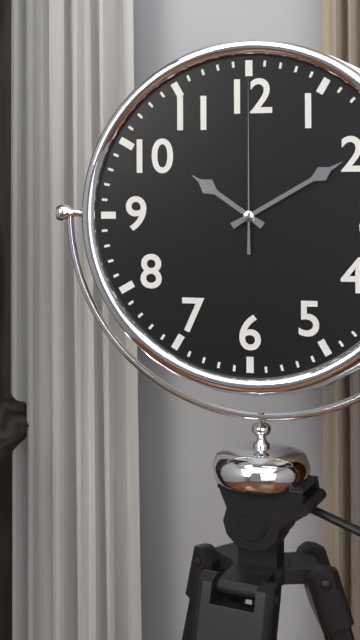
h=10 m=10 s=0
